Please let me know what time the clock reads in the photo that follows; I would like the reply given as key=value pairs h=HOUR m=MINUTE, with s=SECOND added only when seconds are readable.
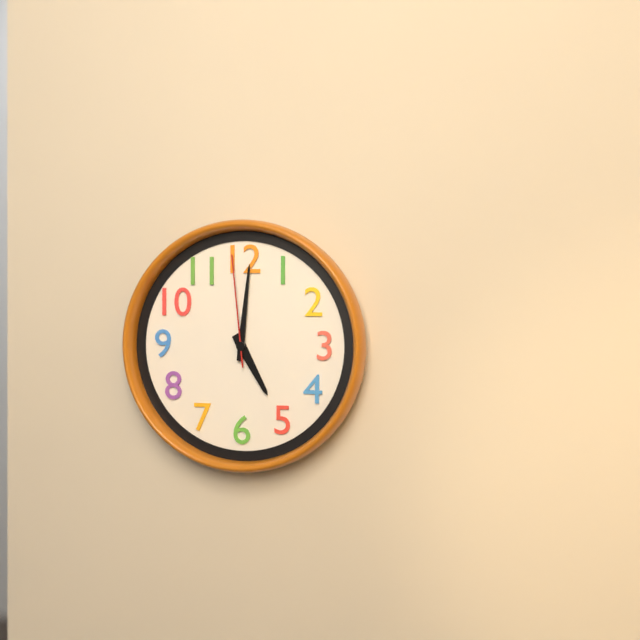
h=5 m=1 s=59
